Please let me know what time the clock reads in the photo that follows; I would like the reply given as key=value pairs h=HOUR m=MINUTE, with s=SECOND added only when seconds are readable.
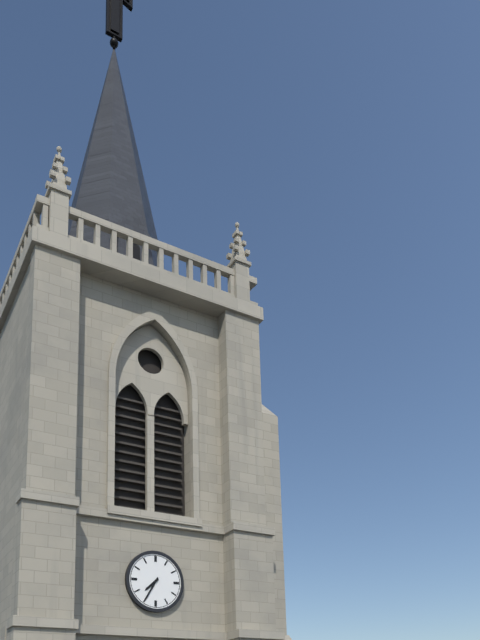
h=7 m=35
